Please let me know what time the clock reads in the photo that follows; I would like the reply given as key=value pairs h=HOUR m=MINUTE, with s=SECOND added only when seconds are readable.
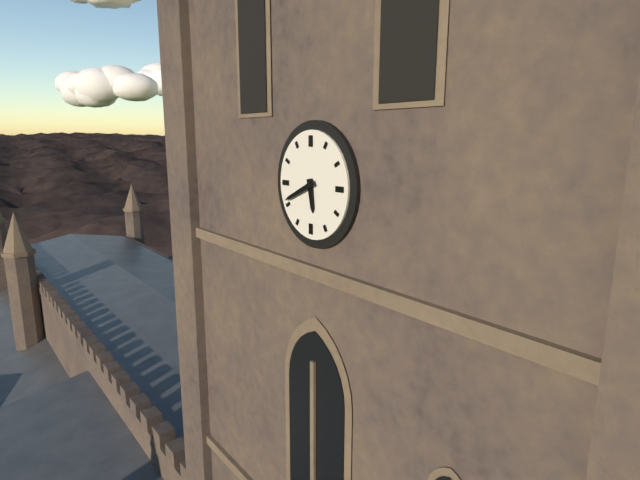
h=5 m=41
